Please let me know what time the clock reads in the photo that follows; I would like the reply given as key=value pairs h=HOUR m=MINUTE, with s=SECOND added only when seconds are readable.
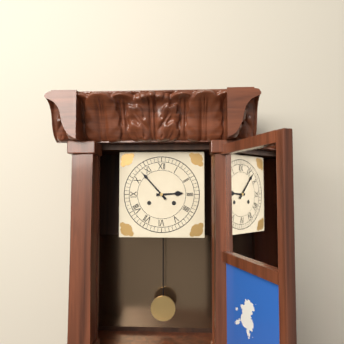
h=2 m=53
